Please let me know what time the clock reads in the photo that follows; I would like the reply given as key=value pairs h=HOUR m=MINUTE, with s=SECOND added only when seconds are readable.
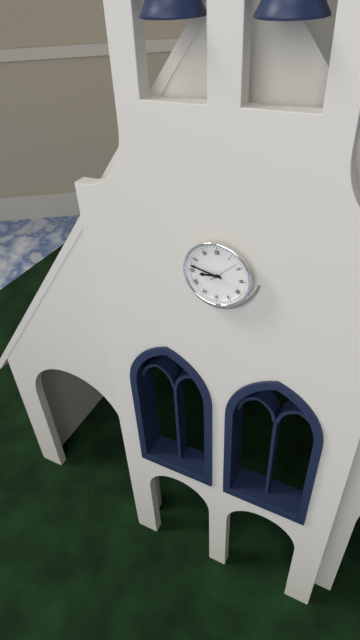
h=8 m=47
